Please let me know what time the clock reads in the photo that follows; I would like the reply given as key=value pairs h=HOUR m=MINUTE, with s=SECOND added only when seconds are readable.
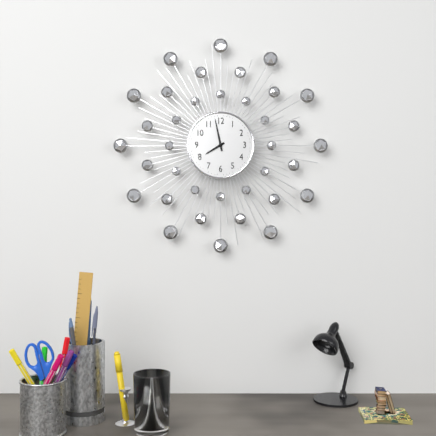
h=7 m=58
